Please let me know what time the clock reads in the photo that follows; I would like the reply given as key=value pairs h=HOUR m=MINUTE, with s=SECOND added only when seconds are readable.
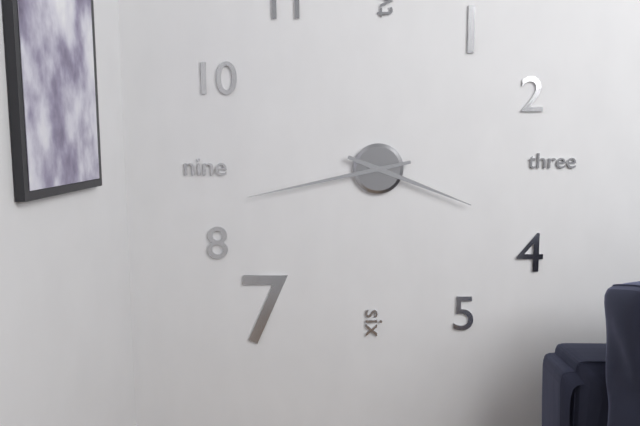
h=3 m=43
